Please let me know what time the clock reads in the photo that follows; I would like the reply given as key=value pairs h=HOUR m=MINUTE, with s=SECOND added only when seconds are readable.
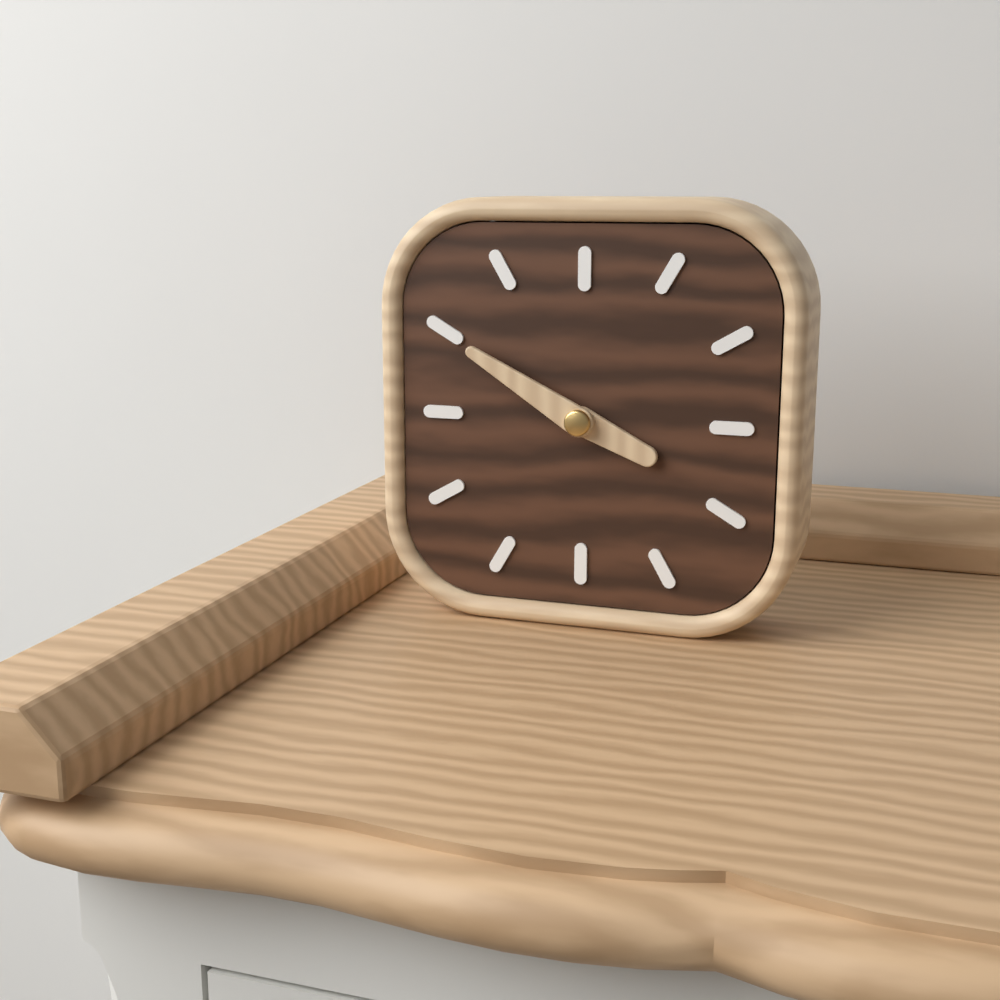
h=3 m=50
